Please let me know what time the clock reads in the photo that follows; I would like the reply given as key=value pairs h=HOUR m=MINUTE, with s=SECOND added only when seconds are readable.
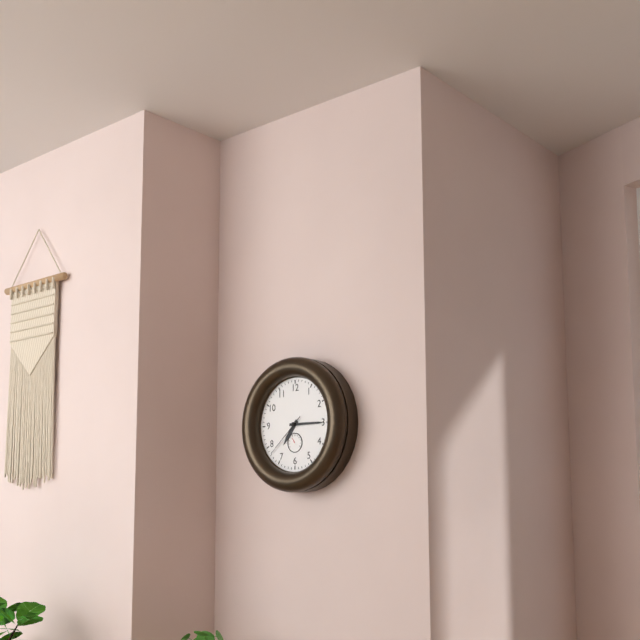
h=7 m=15
